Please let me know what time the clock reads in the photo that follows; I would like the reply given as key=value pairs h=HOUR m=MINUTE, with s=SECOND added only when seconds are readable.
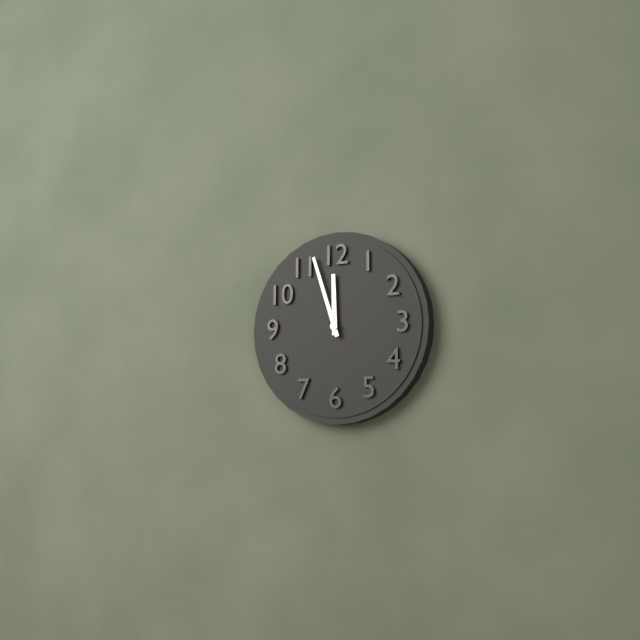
h=11 m=57
